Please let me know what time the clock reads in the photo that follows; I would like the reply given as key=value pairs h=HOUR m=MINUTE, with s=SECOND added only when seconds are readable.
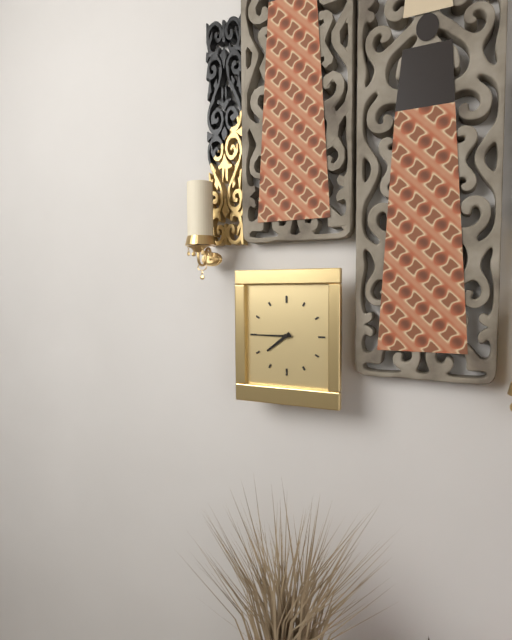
h=7 m=45
